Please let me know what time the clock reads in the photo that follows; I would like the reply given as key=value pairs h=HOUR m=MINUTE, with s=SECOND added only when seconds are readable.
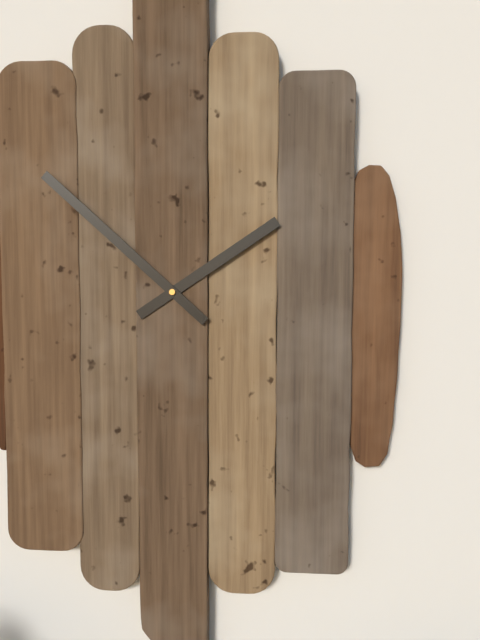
h=1 m=52
